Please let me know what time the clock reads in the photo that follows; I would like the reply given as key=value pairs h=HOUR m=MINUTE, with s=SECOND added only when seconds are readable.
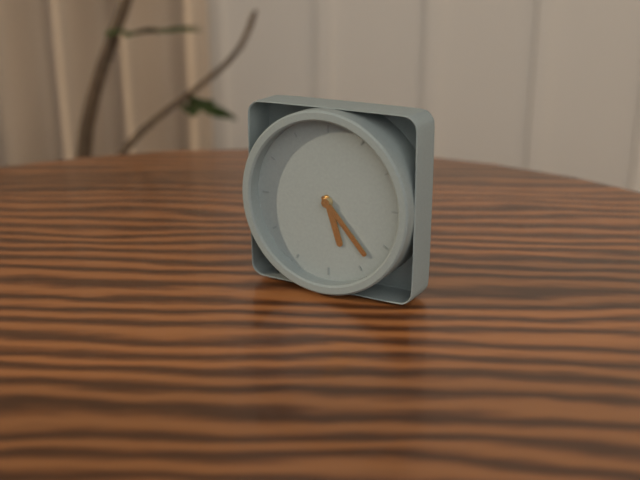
h=5 m=23
